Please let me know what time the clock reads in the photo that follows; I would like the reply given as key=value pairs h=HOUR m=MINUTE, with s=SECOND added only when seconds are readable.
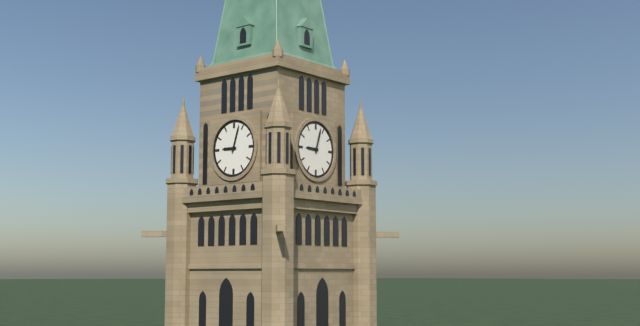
h=9 m=3
